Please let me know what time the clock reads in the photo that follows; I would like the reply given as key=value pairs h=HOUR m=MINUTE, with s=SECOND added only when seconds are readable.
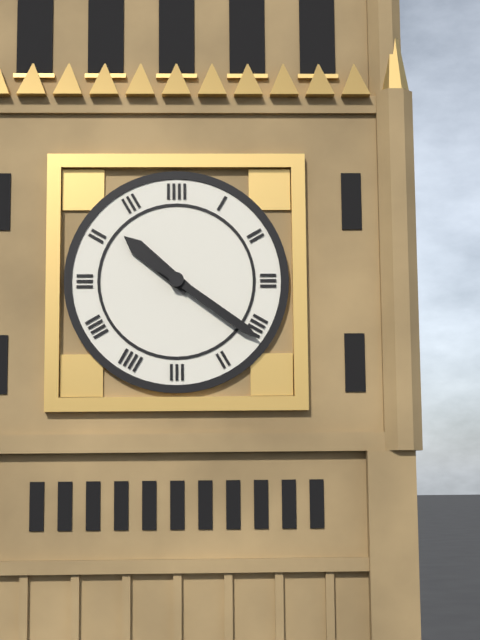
h=10 m=21
